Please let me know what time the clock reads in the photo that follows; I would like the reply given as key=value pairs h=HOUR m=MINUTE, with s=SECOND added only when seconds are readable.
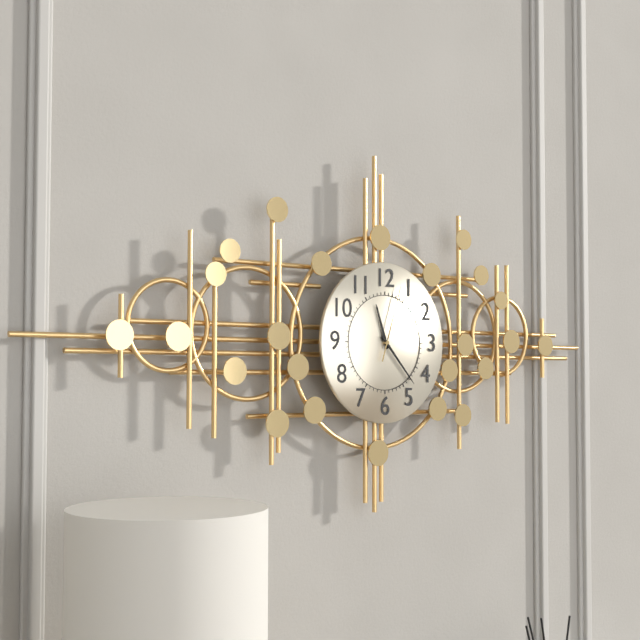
h=11 m=23 s=3
